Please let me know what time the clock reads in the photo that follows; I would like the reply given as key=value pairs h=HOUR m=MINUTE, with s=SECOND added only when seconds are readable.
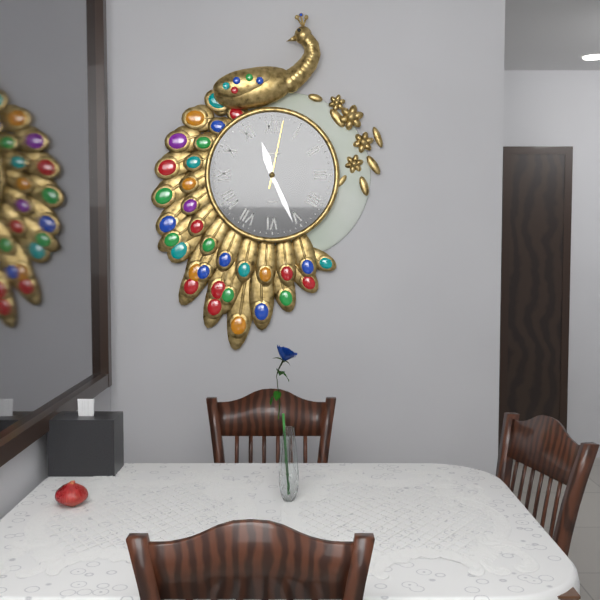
h=11 m=26 s=2
